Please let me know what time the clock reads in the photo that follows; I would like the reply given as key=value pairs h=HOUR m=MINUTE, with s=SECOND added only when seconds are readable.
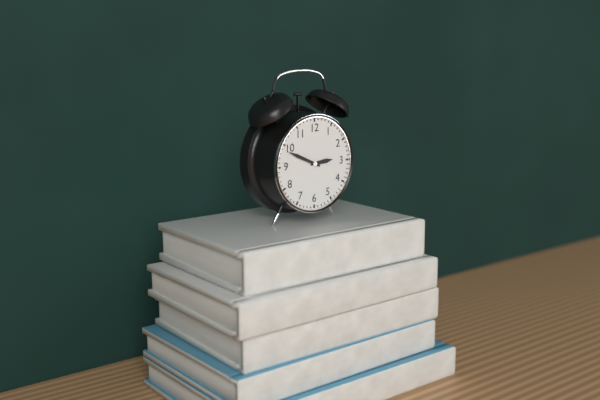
h=2 m=49
